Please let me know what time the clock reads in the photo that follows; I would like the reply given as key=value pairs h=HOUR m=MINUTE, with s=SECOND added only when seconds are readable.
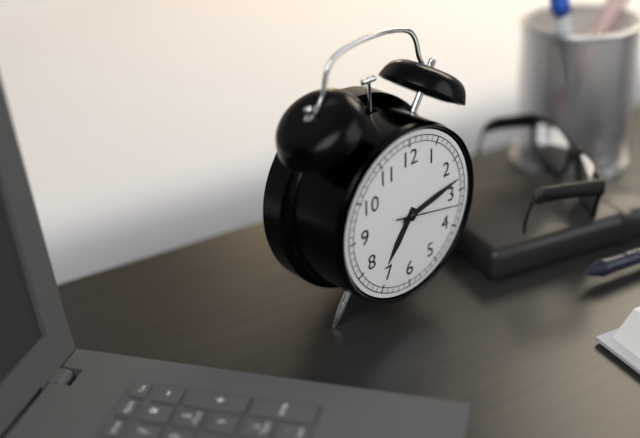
h=7 m=13 s=17
